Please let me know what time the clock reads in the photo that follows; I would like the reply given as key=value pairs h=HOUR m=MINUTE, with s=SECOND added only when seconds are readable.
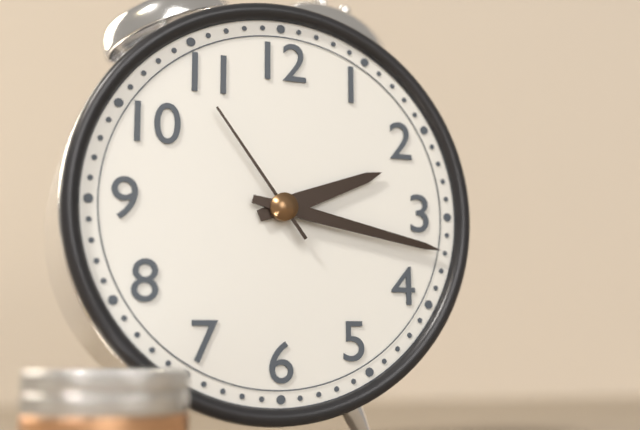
h=2 m=17 s=54
